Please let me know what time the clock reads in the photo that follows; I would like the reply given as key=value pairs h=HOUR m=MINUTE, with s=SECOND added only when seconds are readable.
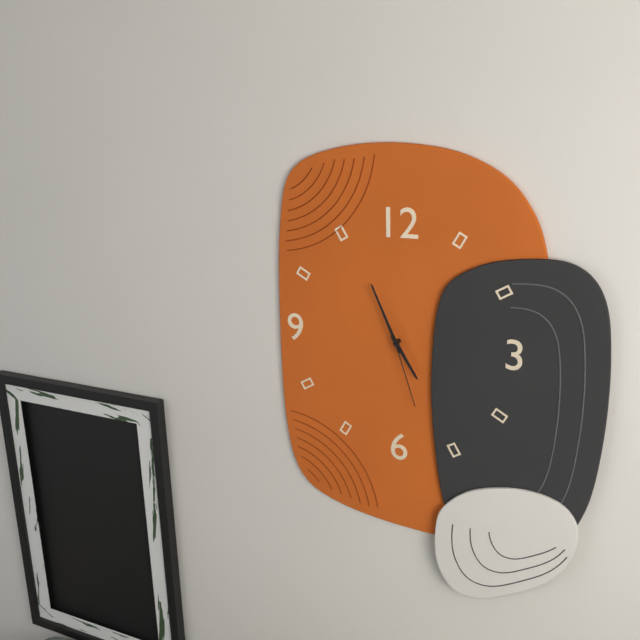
h=4 m=56 s=27
